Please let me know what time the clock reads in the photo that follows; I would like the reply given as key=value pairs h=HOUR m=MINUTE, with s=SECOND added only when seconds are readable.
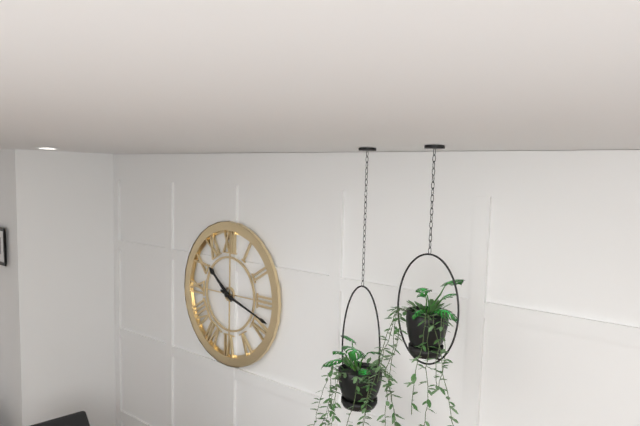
h=10 m=18
